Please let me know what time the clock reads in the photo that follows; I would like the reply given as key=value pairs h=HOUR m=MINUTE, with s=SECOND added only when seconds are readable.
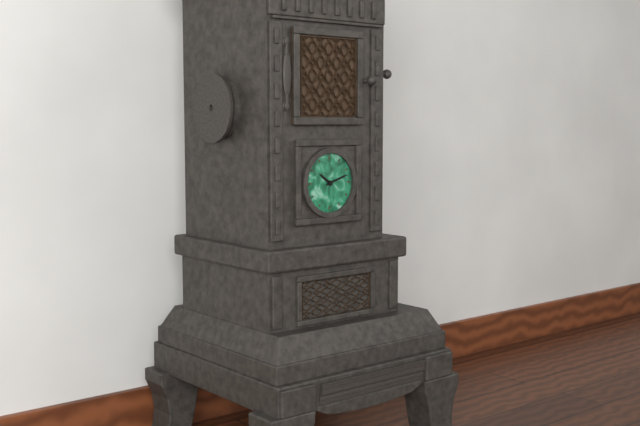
h=10 m=12
